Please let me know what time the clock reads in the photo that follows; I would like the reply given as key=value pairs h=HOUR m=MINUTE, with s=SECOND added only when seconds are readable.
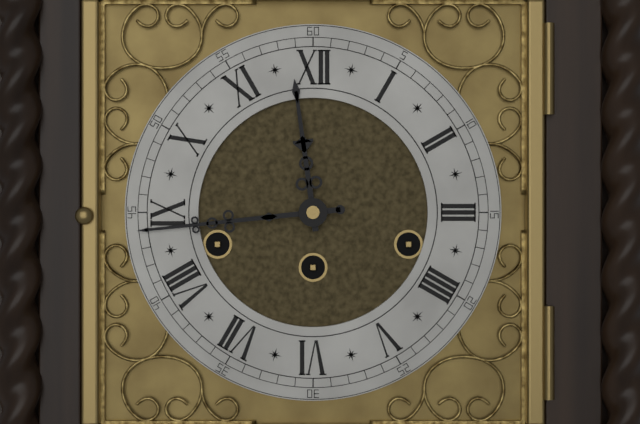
h=11 m=44
